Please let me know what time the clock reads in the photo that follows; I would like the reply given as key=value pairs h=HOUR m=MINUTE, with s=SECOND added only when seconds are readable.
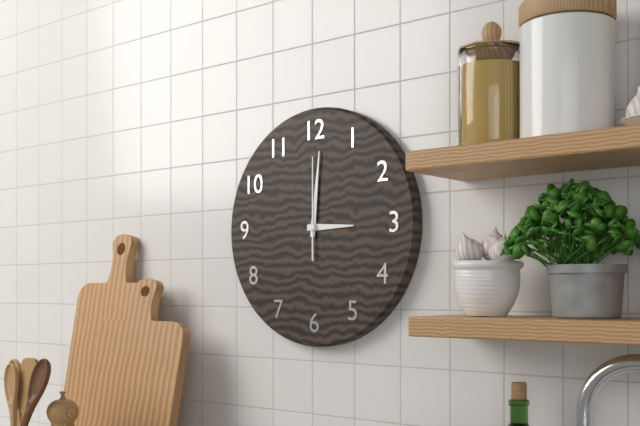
h=3 m=1 s=0
